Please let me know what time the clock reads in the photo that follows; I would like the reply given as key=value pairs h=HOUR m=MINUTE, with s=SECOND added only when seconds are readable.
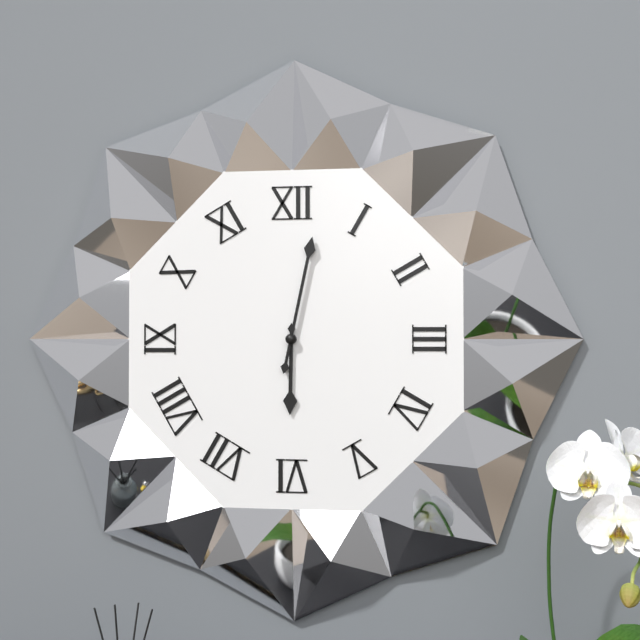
h=6 m=2
